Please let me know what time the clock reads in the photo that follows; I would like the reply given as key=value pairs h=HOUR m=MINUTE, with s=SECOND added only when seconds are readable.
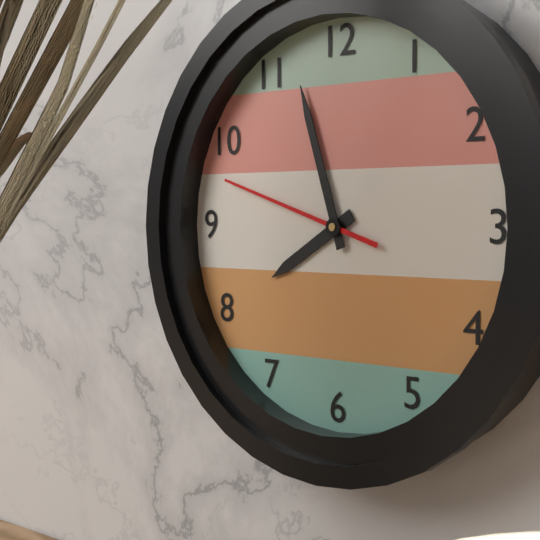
h=7 m=57 s=48
